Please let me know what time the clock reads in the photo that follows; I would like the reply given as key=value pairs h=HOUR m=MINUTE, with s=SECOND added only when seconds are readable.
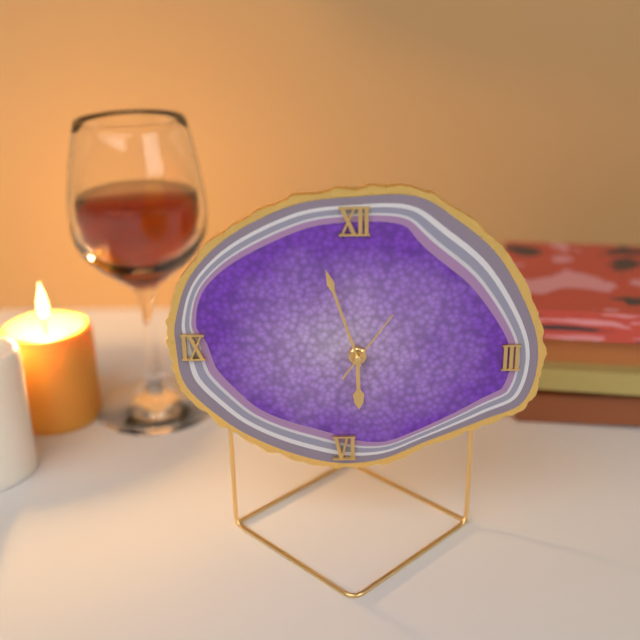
h=5 m=57 s=6
